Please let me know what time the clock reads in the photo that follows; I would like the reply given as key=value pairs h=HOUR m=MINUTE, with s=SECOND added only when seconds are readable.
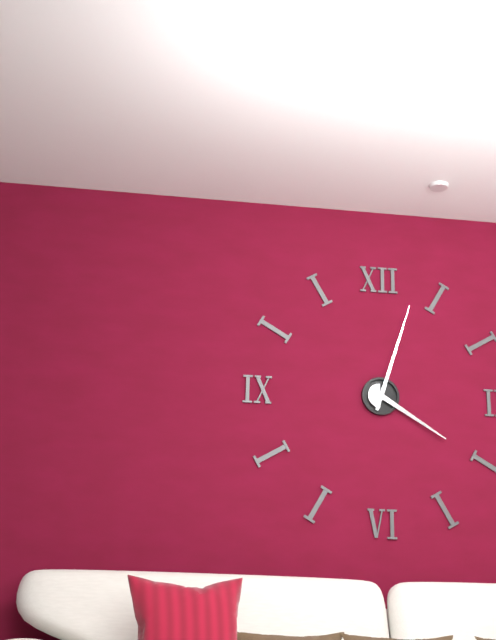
h=4 m=3
